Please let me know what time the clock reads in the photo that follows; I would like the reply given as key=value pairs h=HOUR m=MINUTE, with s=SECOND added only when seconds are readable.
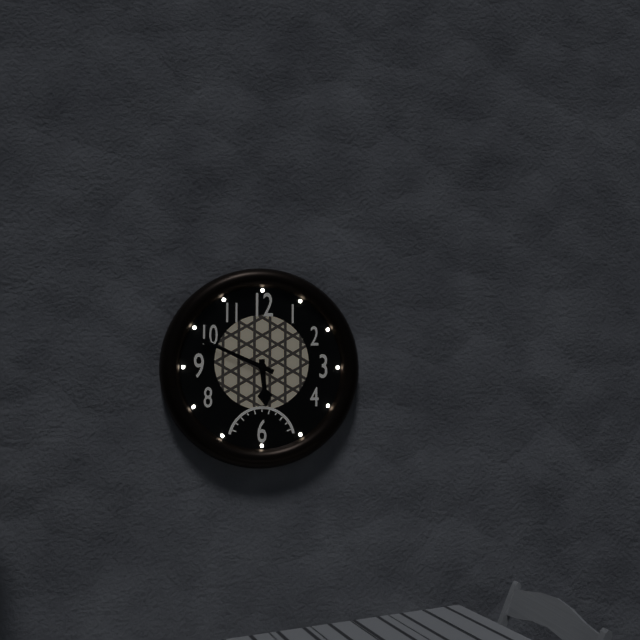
h=5 m=49
